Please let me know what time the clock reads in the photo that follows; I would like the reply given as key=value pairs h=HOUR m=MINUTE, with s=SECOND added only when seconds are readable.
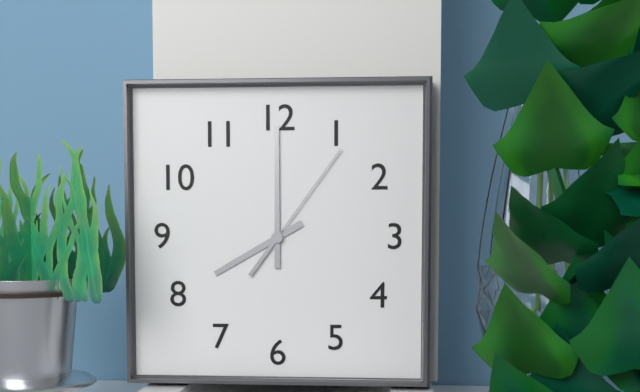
h=8 m=0 s=6
